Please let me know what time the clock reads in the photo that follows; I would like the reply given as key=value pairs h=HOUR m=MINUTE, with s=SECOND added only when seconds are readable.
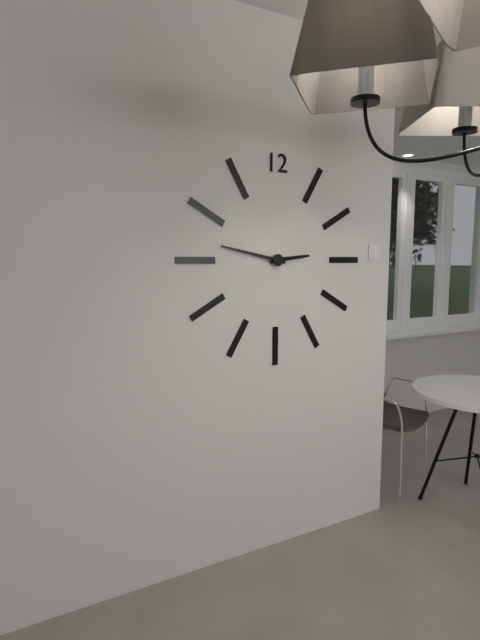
h=2 m=47
